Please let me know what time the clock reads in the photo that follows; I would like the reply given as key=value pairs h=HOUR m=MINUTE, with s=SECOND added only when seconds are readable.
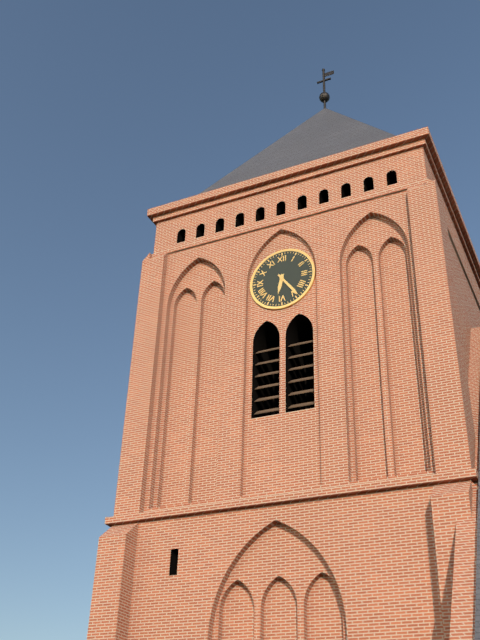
h=6 m=24
